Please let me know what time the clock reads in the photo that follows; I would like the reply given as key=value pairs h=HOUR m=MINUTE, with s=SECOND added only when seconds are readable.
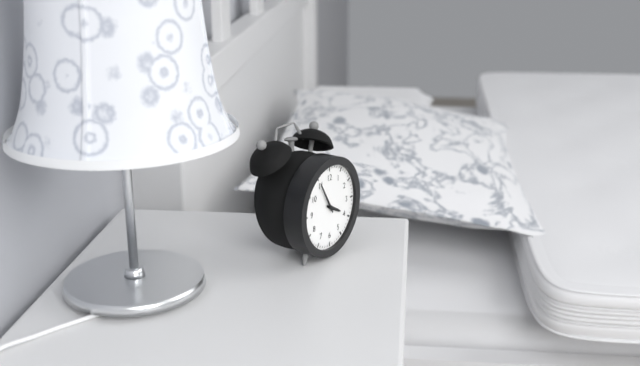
h=3 m=55
